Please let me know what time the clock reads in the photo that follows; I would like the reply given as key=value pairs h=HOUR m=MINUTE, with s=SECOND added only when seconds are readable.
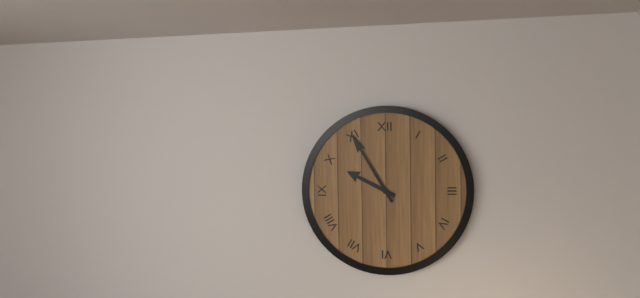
h=9 m=55
